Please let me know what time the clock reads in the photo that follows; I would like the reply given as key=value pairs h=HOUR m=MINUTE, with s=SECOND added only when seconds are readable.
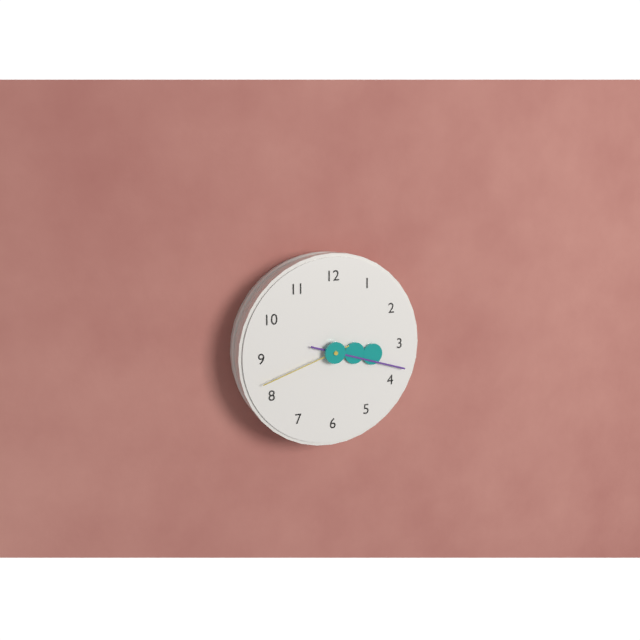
h=3 m=18 s=42
